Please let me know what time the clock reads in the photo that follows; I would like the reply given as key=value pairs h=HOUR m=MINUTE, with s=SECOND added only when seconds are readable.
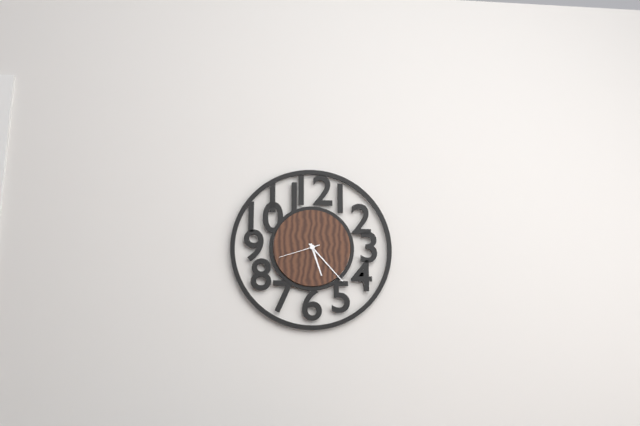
h=5 m=23
